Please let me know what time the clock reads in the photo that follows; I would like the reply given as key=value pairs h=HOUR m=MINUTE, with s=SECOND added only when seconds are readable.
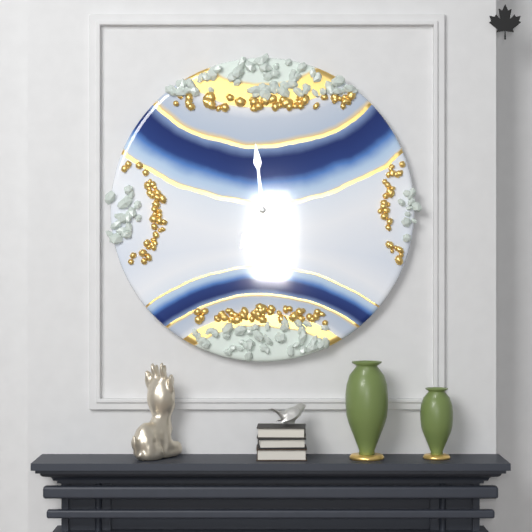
h=6 m=59
